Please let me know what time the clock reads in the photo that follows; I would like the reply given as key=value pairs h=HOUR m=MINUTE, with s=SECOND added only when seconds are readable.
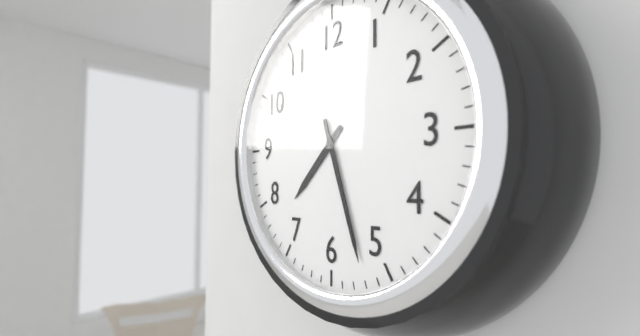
h=7 m=27
